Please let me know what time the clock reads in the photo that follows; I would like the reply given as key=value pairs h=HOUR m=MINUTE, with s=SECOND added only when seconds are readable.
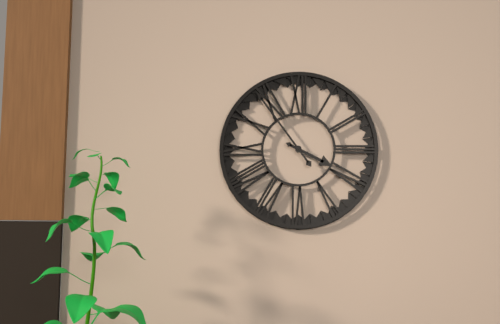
h=3 m=54
